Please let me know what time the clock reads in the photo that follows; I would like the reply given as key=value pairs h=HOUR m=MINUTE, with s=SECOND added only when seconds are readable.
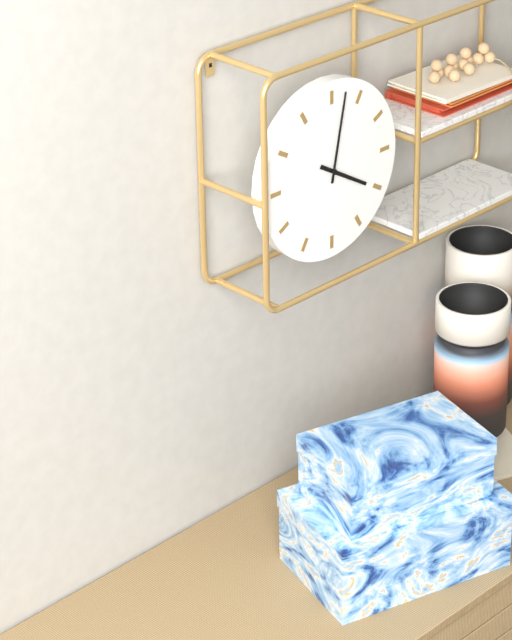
h=4 m=2
